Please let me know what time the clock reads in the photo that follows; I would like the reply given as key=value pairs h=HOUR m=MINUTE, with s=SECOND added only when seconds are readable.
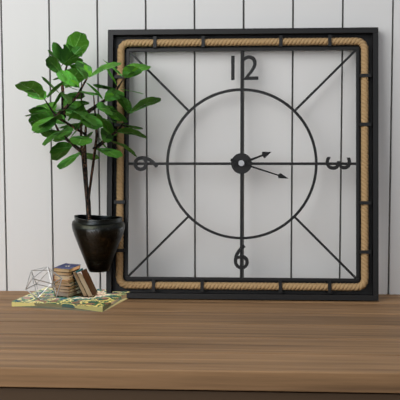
h=2 m=18
